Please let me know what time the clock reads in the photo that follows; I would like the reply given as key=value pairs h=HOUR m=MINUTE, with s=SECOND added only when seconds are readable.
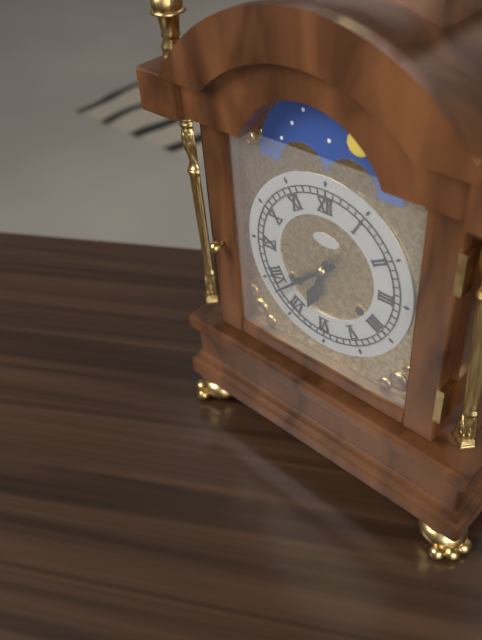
h=6 m=38
